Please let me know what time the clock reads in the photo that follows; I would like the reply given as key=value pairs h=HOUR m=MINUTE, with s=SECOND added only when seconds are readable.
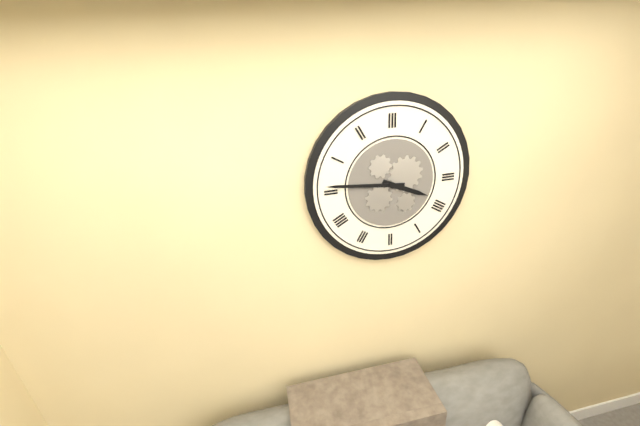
h=3 m=46
